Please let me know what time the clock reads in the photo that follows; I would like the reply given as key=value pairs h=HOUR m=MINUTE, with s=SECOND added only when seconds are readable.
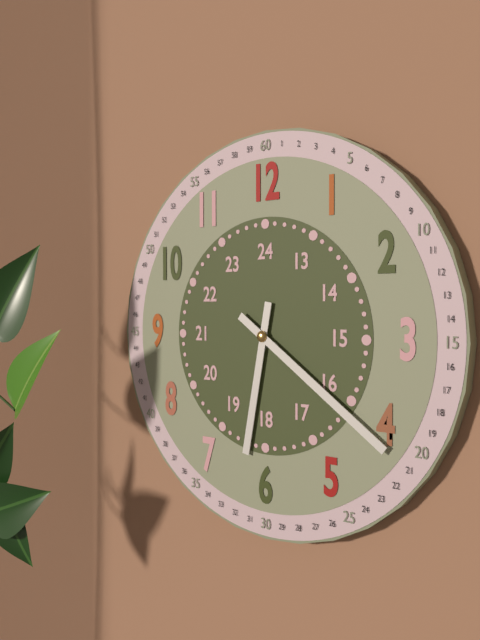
h=6 m=21
